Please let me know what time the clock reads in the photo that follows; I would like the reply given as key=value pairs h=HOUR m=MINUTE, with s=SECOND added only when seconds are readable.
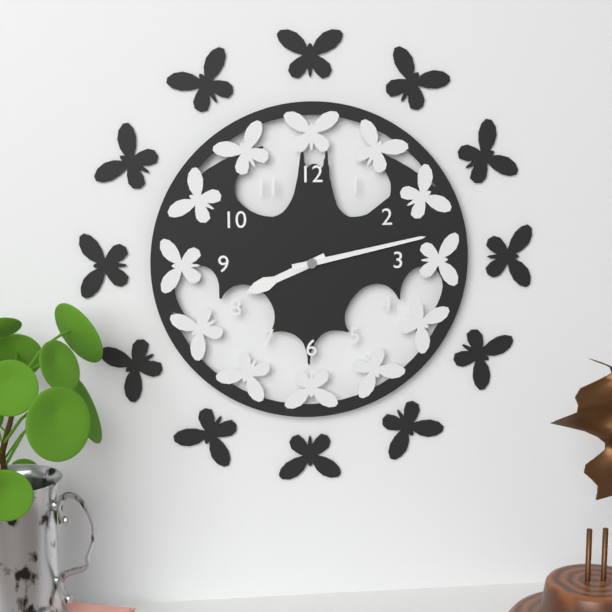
h=8 m=13
